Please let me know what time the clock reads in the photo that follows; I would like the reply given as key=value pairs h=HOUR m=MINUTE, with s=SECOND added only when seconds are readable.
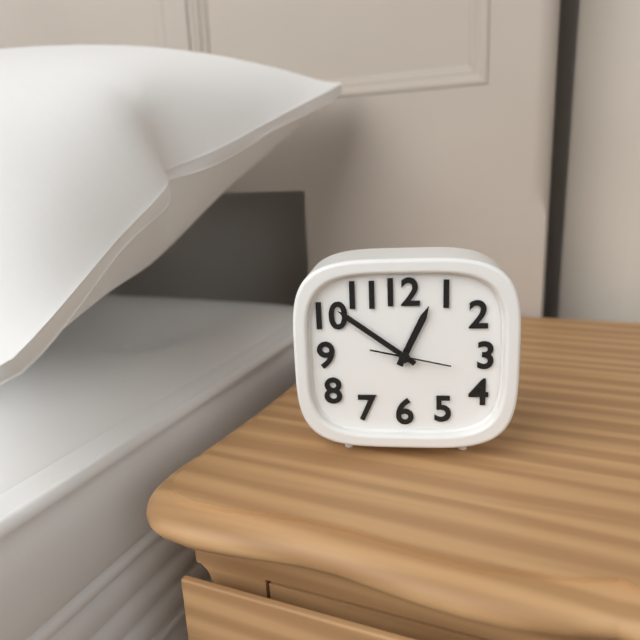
h=12 m=51 s=17
